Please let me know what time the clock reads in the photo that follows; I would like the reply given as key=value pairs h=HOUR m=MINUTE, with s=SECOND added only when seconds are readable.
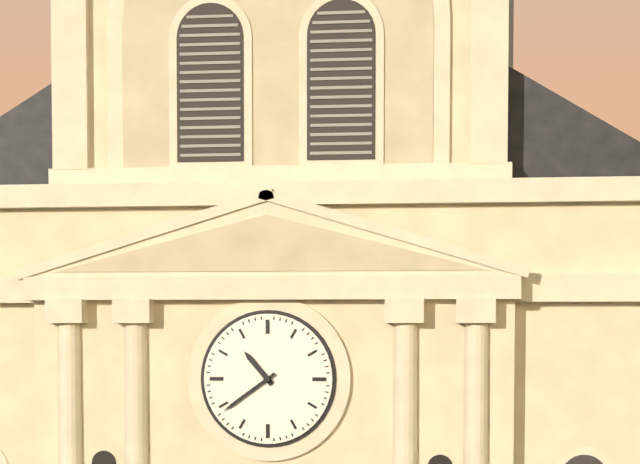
h=10 m=39
